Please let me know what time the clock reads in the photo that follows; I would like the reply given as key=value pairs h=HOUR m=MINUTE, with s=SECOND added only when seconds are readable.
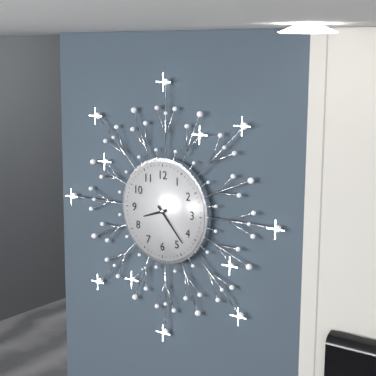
h=8 m=23
